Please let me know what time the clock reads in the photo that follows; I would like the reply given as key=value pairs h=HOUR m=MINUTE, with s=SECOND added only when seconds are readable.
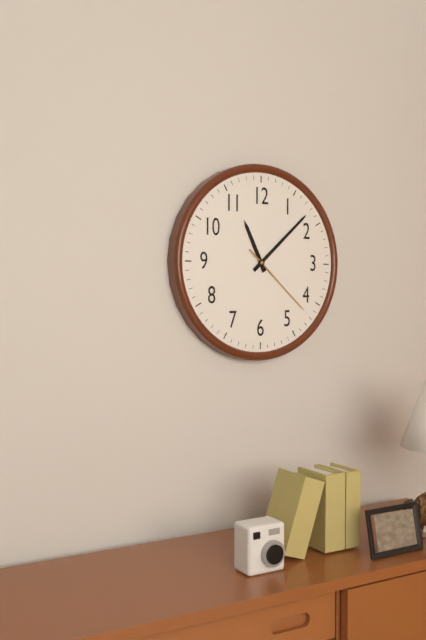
h=11 m=8 s=22
